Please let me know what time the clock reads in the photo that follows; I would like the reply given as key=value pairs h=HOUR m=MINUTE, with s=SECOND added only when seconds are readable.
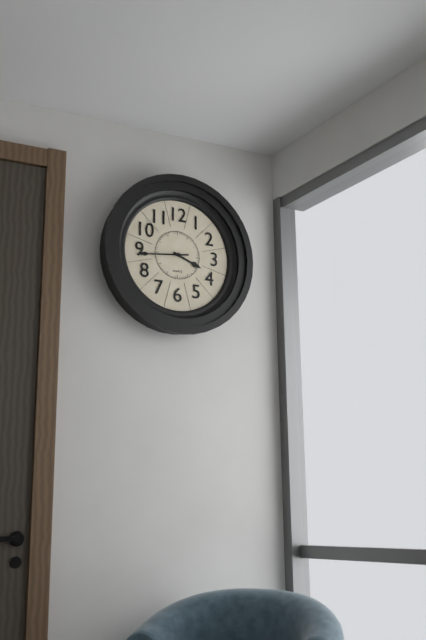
h=3 m=44
